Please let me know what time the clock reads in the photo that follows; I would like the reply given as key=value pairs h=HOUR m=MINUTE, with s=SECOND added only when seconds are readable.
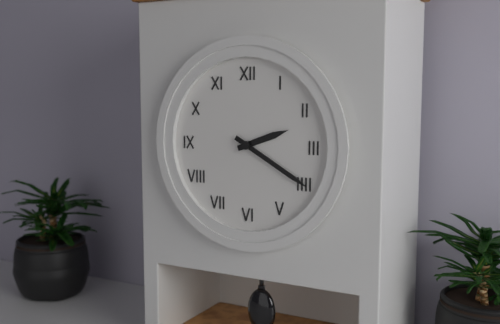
h=2 m=20
